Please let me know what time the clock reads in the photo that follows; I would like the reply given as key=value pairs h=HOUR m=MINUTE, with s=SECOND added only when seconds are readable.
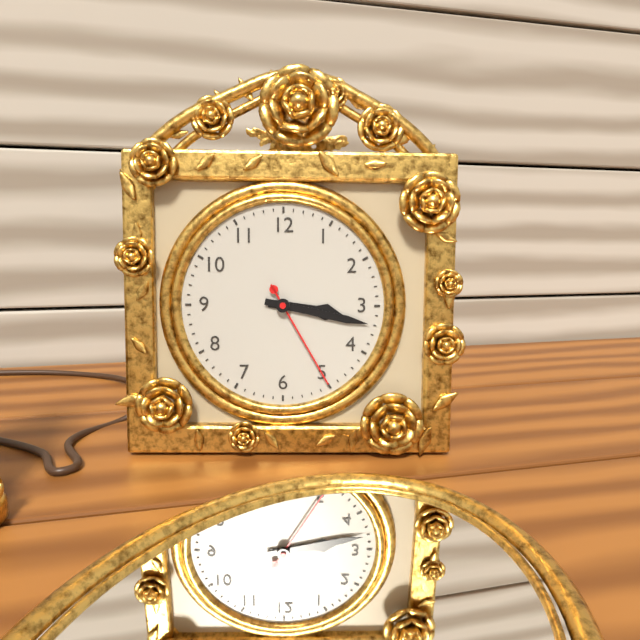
h=3 m=17 s=25
